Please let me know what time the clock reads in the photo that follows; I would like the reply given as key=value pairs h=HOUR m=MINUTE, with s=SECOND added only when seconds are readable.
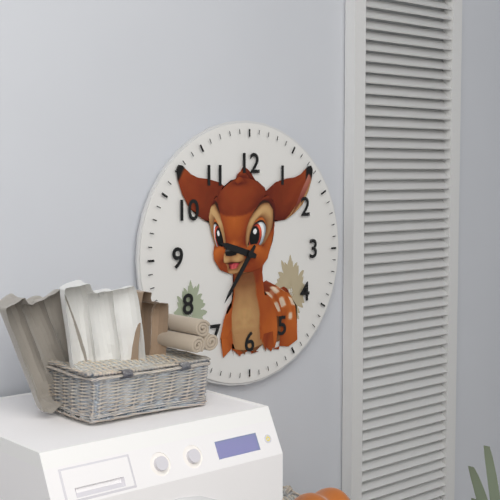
h=9 m=36
